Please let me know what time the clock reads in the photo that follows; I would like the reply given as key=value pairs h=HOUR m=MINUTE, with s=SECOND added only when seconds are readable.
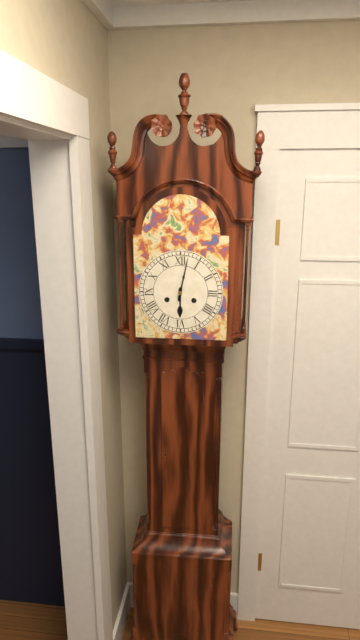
h=6 m=2
